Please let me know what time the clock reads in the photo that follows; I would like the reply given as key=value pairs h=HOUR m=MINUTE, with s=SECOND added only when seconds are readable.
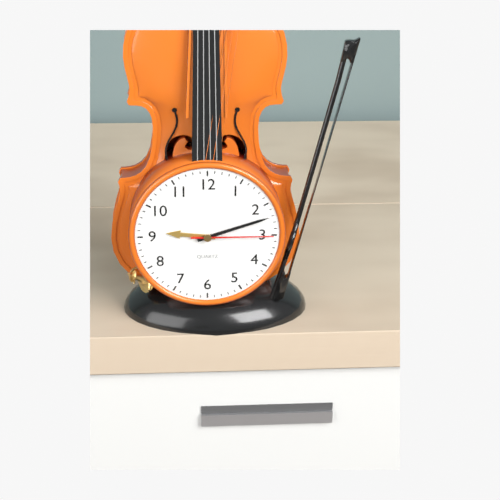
h=9 m=12 s=15
